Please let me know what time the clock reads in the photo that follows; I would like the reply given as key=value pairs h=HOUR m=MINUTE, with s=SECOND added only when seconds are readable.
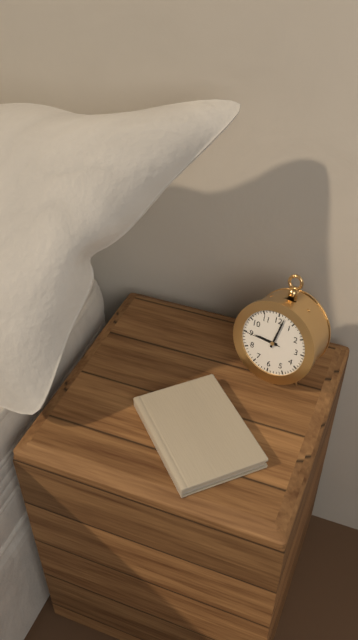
h=9 m=2
